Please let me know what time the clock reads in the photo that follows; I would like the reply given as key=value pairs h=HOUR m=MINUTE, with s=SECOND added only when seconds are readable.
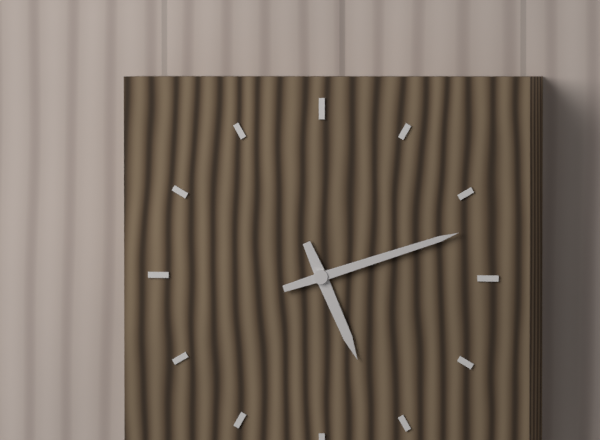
h=5 m=12
